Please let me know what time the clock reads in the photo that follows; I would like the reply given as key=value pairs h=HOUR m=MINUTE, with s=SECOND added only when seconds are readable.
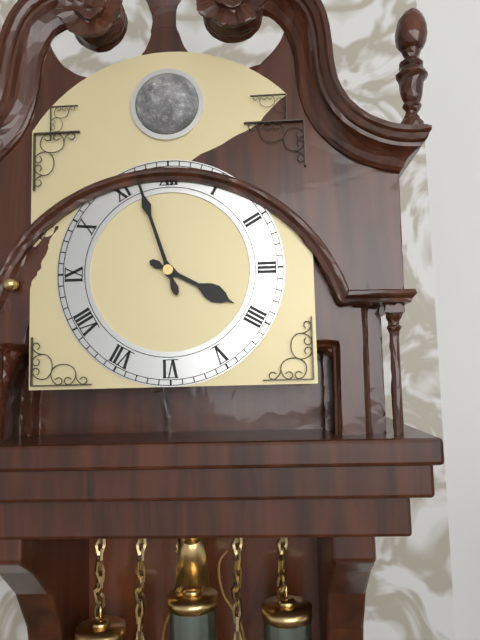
h=3 m=57
